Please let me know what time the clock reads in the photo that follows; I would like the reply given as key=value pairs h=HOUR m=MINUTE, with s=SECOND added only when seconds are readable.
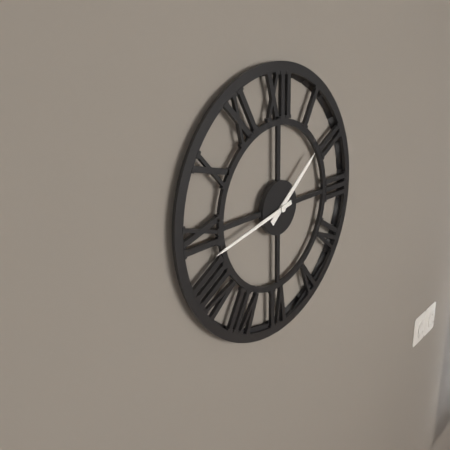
h=1 m=43
